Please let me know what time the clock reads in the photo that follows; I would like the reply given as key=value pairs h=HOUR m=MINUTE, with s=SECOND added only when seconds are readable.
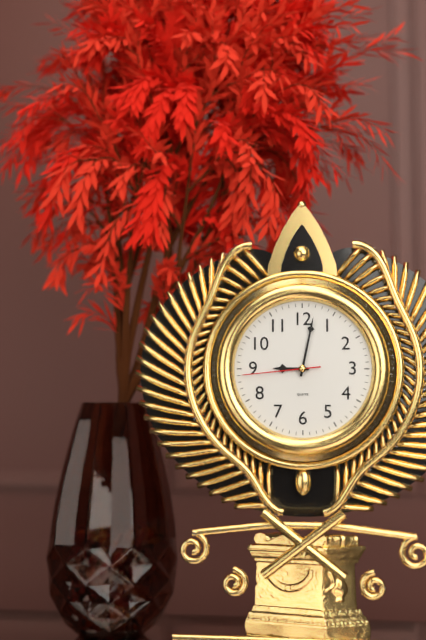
h=9 m=2 s=44
